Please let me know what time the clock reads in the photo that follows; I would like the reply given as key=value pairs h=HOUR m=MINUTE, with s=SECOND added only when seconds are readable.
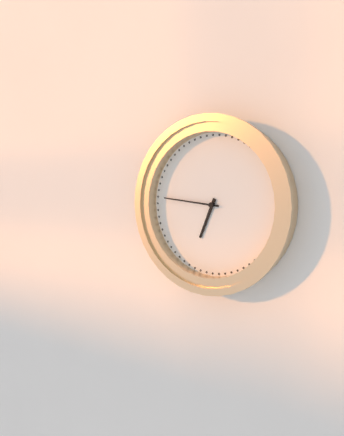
h=6 m=46
